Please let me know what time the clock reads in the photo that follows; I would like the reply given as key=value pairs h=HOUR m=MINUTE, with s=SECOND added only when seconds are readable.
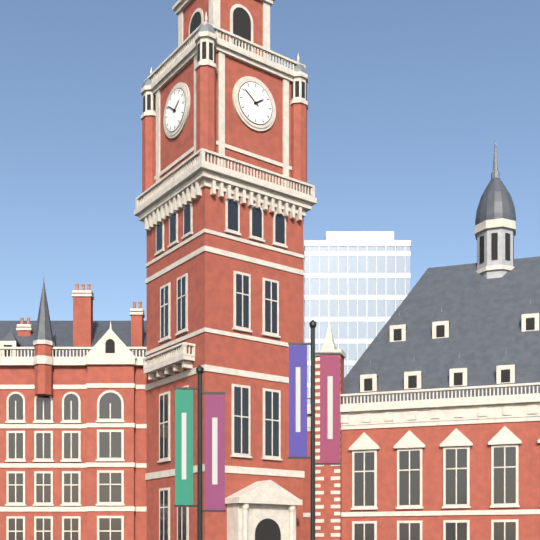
h=1 m=51
